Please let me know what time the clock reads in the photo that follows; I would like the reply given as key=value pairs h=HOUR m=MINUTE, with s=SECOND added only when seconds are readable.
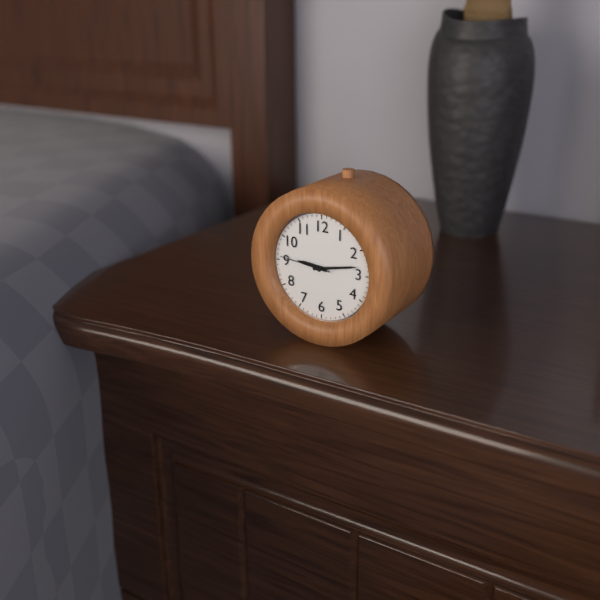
h=9 m=13 s=46
